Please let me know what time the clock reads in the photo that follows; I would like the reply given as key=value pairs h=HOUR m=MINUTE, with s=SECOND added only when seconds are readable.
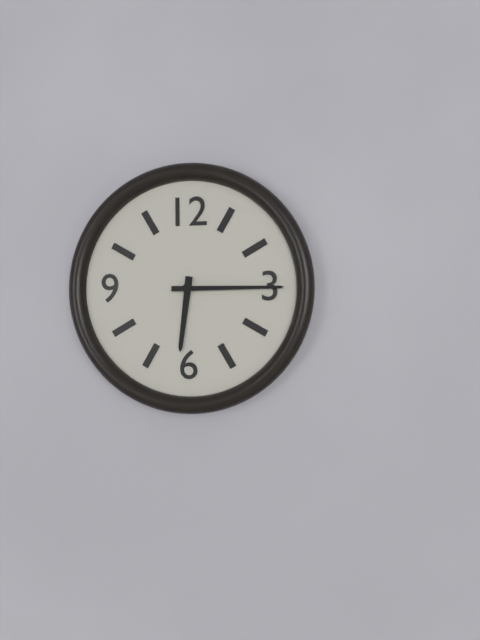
h=6 m=15
